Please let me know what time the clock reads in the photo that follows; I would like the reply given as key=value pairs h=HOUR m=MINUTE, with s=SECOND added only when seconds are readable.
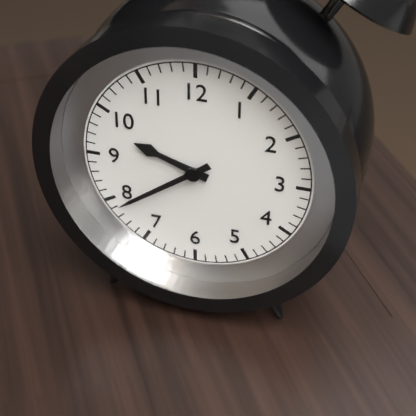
h=9 m=39
